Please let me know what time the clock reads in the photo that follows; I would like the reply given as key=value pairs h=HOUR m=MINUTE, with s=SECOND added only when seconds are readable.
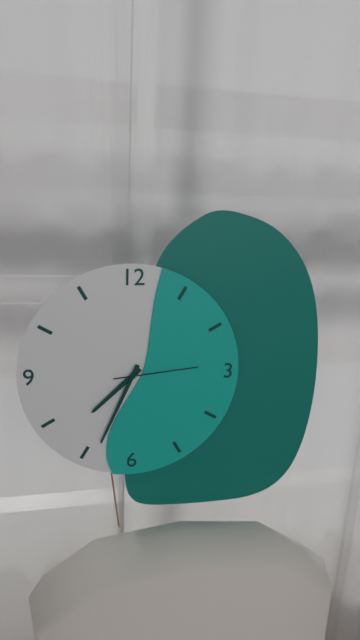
h=7 m=34 s=14
